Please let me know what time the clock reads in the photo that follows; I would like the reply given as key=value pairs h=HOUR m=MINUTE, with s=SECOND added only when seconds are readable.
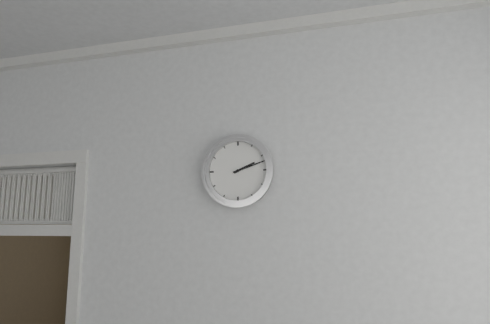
h=2 m=12
